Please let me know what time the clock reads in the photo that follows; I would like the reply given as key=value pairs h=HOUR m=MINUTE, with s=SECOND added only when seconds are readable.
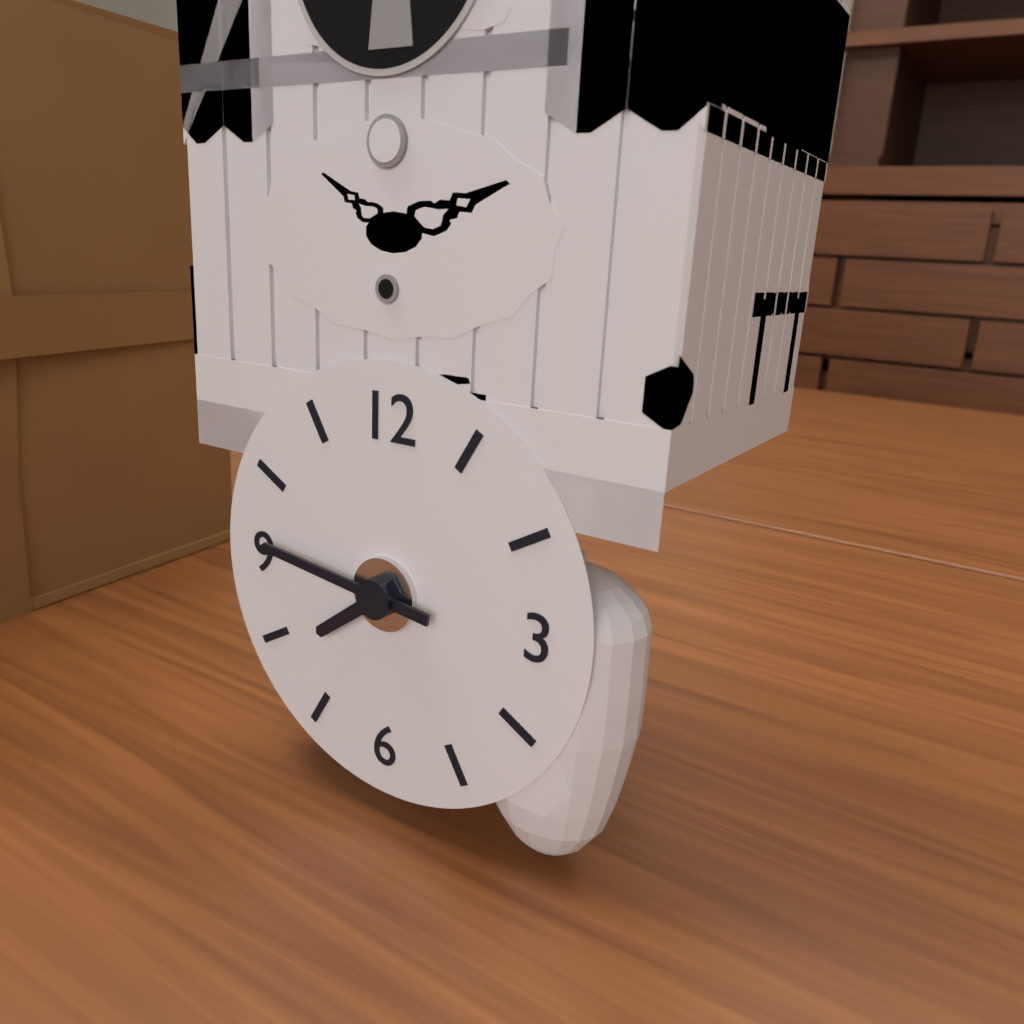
h=7 m=46
